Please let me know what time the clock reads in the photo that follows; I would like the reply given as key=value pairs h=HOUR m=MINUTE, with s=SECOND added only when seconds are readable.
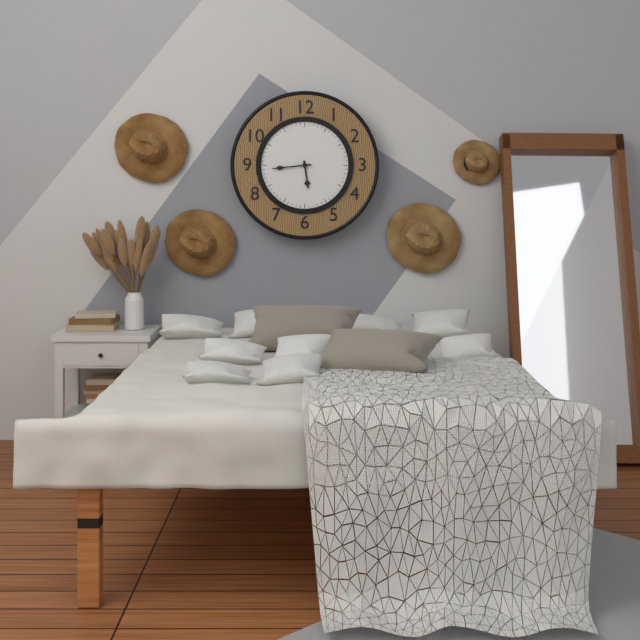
h=5 m=44
